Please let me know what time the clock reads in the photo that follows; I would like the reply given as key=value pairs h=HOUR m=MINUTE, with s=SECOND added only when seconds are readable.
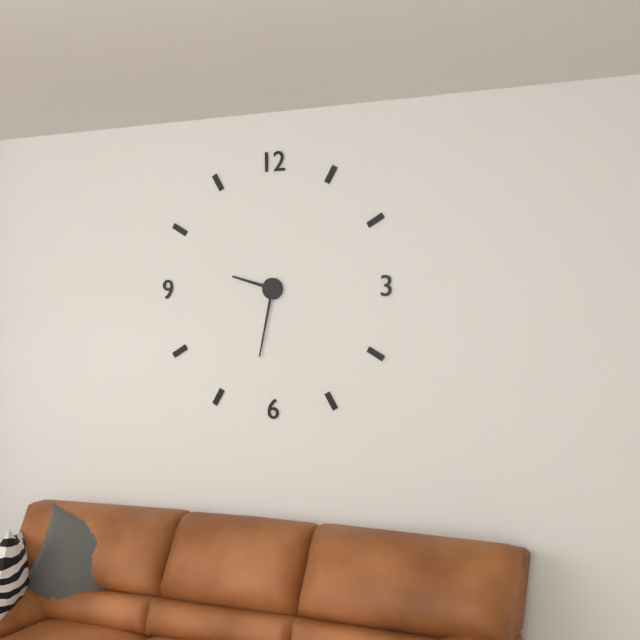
h=9 m=32
